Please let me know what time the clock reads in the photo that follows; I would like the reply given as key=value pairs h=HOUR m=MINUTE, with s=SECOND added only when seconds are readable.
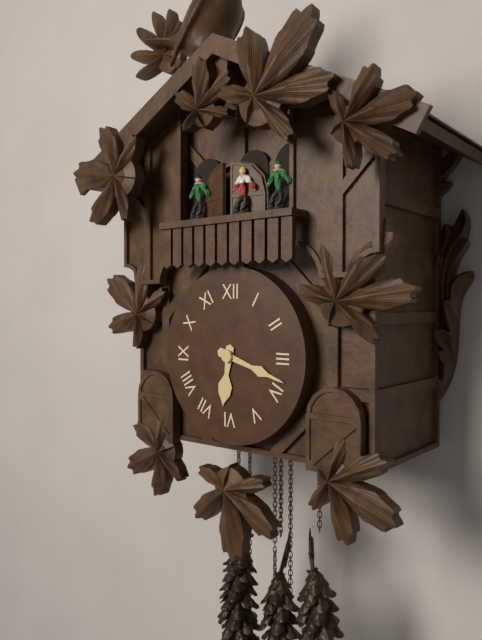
h=6 m=18
